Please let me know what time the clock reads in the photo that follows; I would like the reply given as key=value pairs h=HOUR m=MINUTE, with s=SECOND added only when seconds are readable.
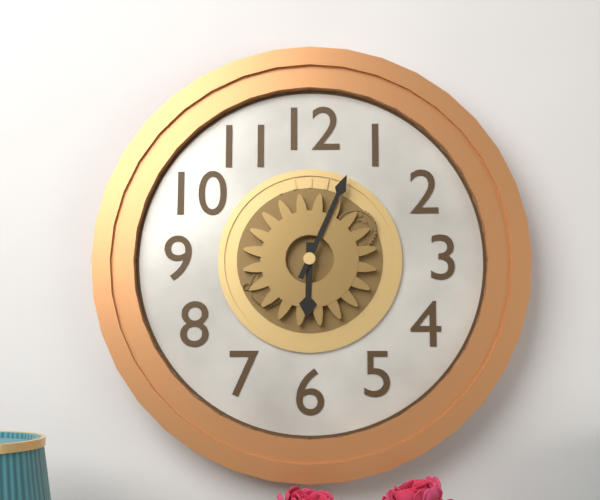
h=6 m=4
